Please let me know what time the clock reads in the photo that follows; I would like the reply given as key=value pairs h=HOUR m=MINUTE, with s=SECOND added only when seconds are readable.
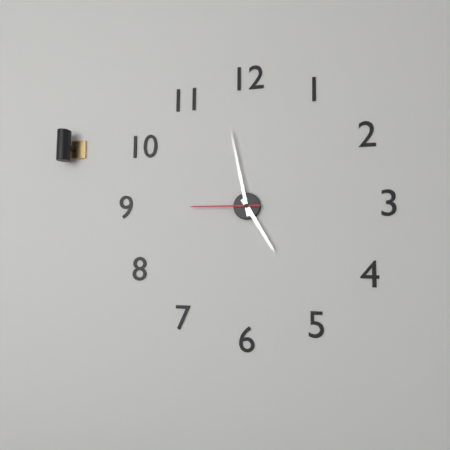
h=4 m=58 s=45
